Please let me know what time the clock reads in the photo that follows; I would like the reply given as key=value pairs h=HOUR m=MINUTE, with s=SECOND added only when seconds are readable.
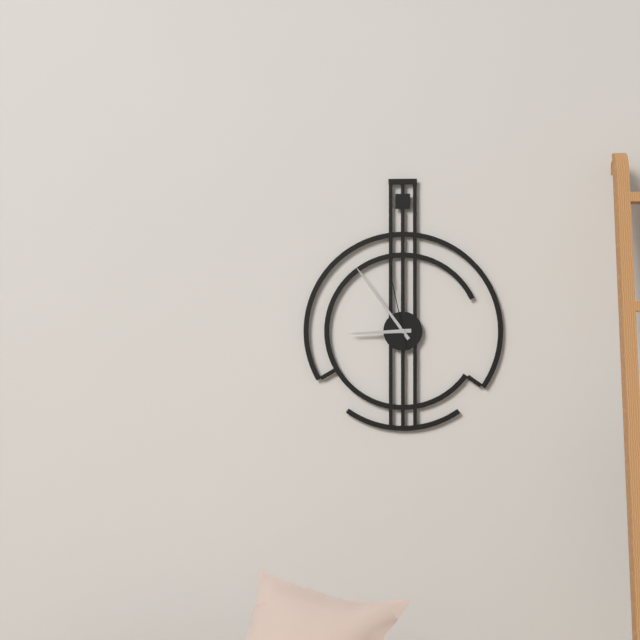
h=8 m=54 s=58
